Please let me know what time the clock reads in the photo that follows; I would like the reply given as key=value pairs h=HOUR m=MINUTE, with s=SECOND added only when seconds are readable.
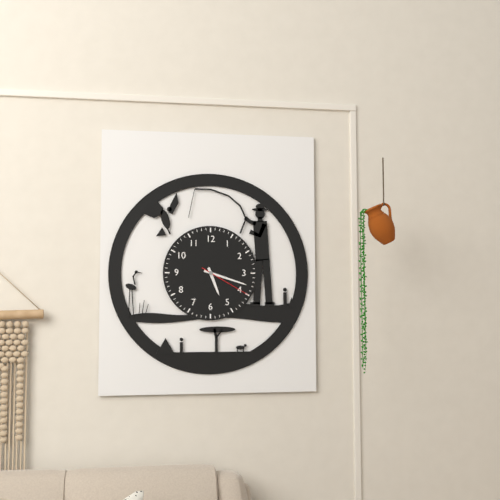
h=5 m=18 s=20
